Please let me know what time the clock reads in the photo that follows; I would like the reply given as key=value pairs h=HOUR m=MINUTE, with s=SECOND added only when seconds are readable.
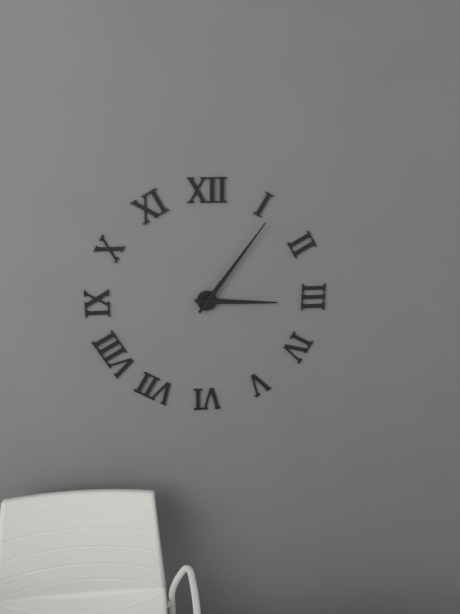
h=3 m=6
